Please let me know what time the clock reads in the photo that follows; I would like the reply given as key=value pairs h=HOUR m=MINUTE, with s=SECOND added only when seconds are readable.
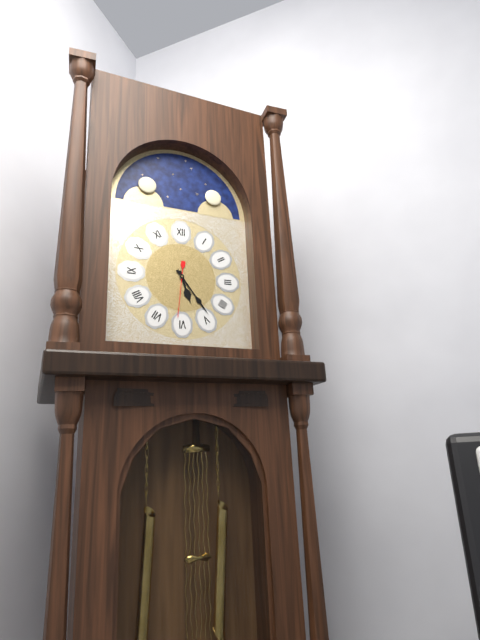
h=5 m=24 s=31
